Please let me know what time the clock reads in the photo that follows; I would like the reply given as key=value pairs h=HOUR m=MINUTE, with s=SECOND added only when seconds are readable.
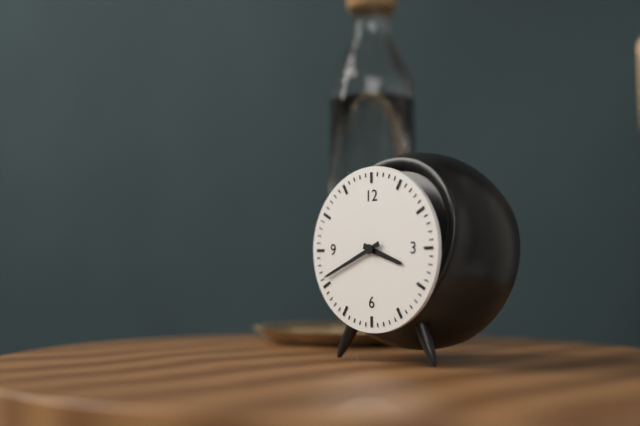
h=3 m=41
